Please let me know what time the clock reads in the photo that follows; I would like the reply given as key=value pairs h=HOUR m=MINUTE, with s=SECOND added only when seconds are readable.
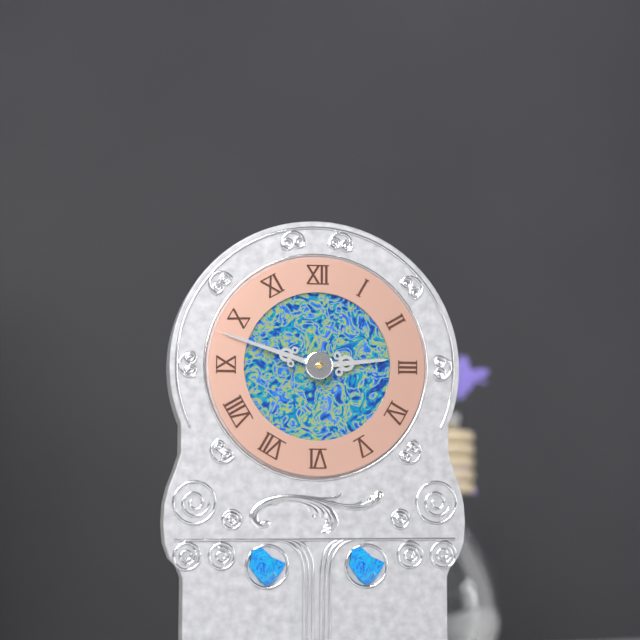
h=2 m=48
